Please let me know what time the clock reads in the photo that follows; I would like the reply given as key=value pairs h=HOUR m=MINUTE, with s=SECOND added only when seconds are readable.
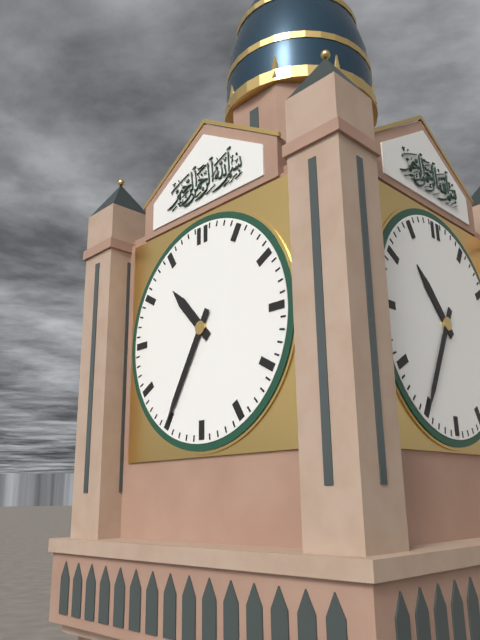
h=10 m=35
